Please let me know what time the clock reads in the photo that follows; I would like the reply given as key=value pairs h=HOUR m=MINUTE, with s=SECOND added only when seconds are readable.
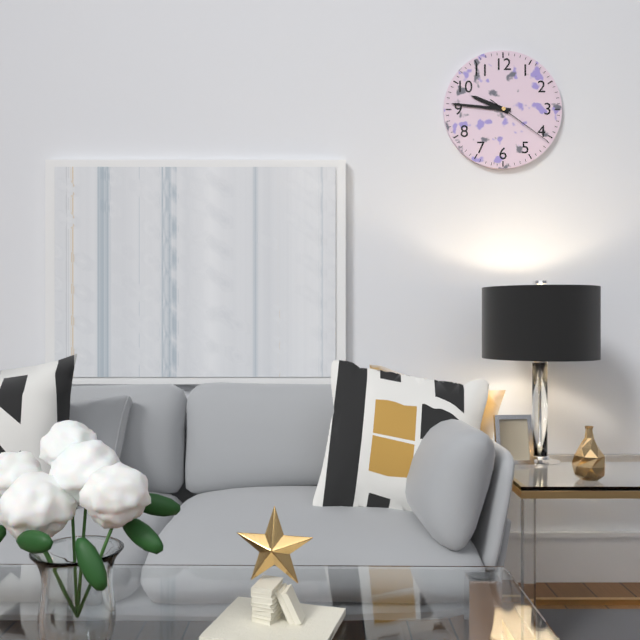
h=9 m=46 s=21
